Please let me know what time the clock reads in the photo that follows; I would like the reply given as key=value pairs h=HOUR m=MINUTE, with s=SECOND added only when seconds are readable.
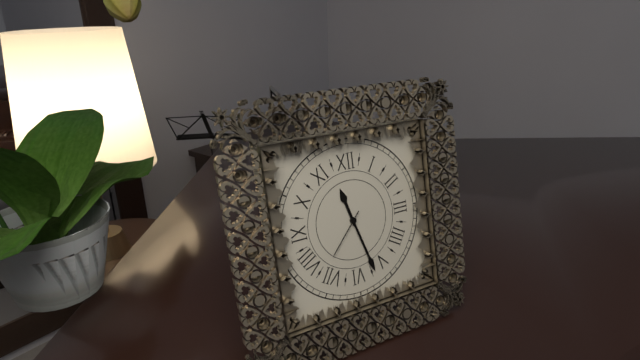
h=11 m=27 s=37
